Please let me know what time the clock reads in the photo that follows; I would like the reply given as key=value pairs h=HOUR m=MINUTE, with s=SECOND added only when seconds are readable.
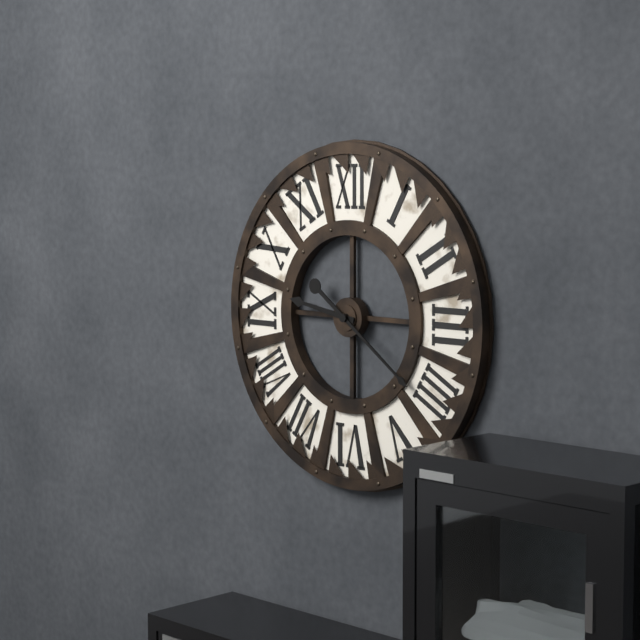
h=9 m=21
